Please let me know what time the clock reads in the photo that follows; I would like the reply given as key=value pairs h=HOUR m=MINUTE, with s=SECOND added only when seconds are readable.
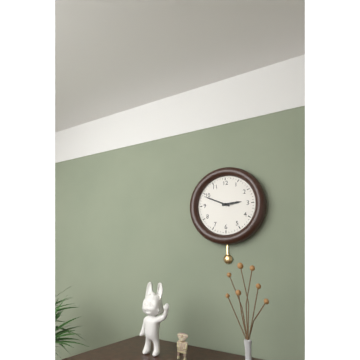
h=2 m=49
